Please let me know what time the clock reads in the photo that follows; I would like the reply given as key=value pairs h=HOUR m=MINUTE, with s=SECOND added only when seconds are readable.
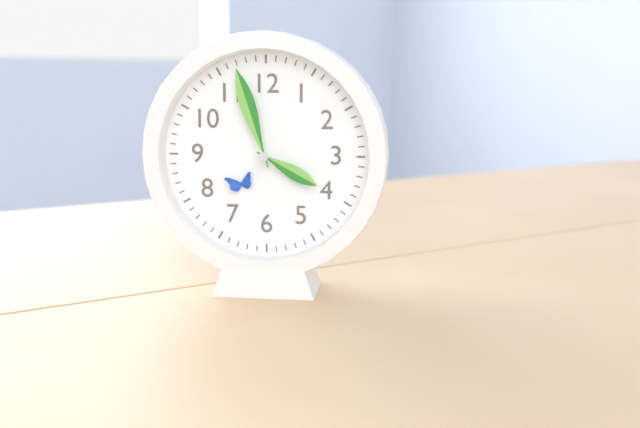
h=3 m=57
